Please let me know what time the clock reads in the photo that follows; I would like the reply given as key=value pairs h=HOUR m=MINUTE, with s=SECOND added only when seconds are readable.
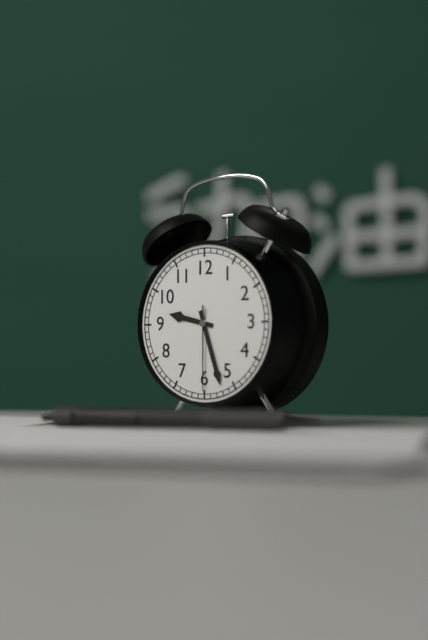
h=9 m=27 s=30
